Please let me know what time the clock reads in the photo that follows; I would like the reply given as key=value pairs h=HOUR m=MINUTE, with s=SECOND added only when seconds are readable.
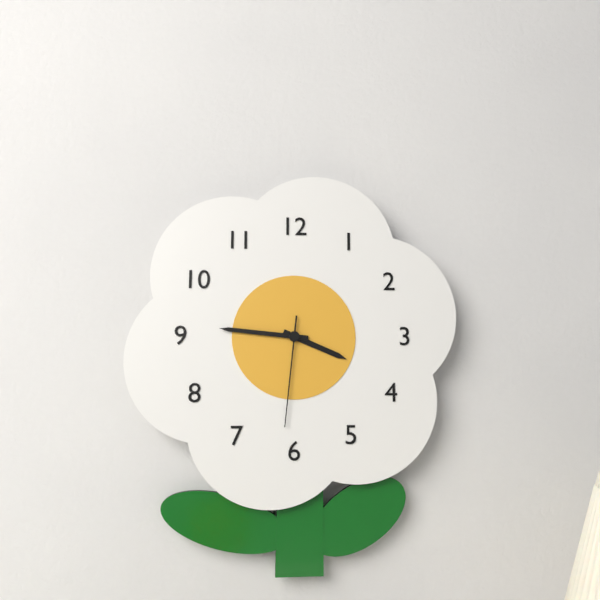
h=3 m=46 s=31
